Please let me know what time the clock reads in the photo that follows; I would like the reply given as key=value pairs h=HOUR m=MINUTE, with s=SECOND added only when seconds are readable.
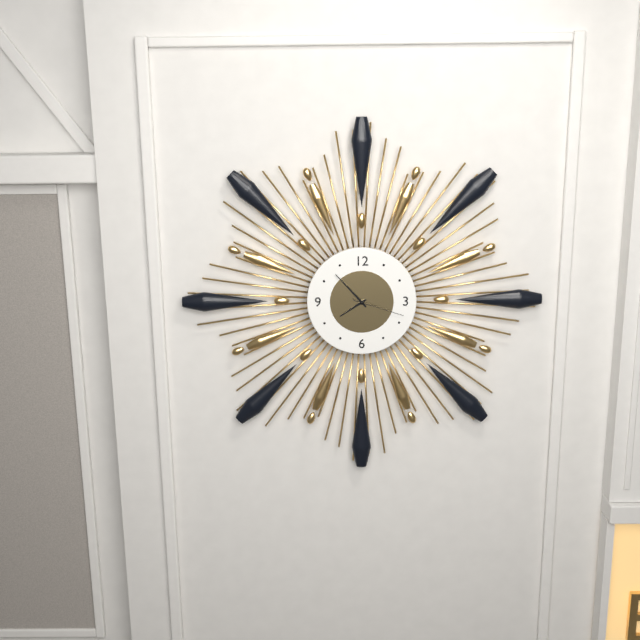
h=7 m=53 s=18
